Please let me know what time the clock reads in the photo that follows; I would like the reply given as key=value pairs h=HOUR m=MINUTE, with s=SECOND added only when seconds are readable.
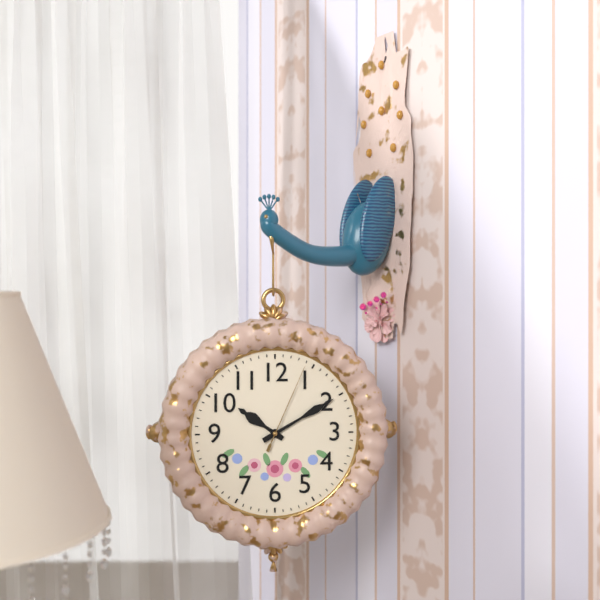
h=10 m=10 s=4
